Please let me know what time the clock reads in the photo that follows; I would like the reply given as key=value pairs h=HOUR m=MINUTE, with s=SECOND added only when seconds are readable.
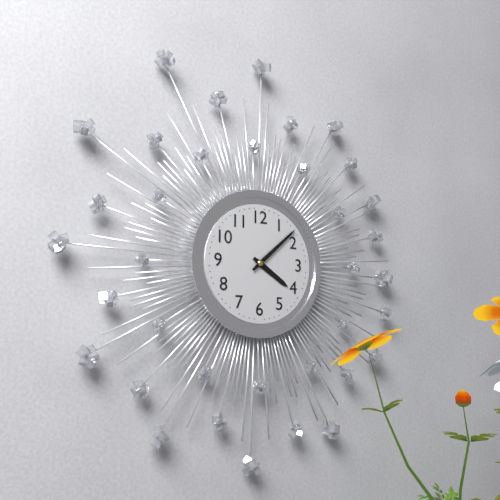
h=4 m=8
